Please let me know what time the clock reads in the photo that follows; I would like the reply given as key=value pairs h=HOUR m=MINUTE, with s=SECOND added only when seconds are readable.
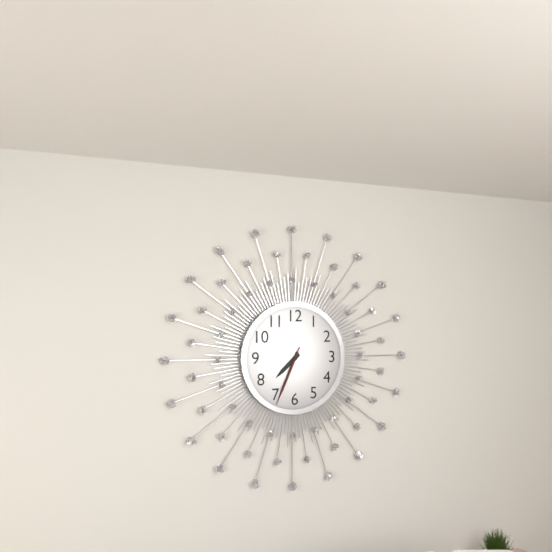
h=7 m=34 s=34
